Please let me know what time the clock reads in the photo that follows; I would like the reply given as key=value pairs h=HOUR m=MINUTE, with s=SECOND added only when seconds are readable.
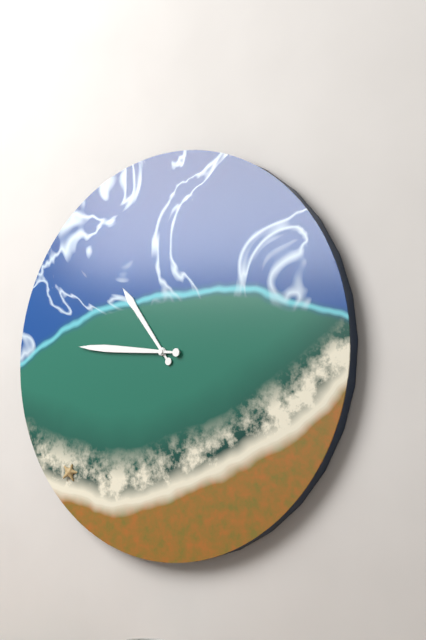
h=10 m=46
